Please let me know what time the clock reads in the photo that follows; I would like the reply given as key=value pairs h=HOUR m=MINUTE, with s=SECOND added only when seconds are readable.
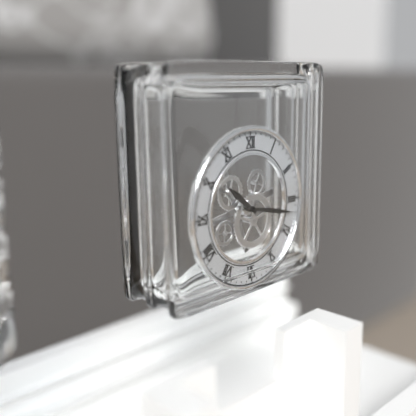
h=10 m=17
